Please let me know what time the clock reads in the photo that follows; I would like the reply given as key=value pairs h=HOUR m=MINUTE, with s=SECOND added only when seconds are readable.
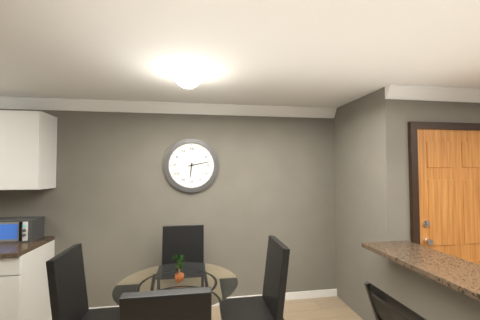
h=6 m=13
